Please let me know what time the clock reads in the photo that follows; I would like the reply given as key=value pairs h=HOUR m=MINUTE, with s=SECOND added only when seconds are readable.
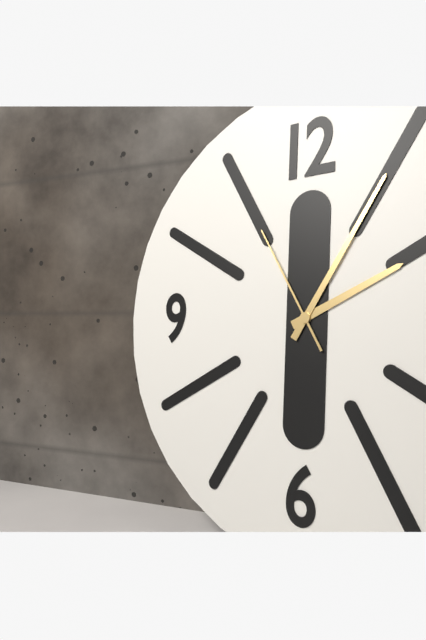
h=2 m=5 s=55
